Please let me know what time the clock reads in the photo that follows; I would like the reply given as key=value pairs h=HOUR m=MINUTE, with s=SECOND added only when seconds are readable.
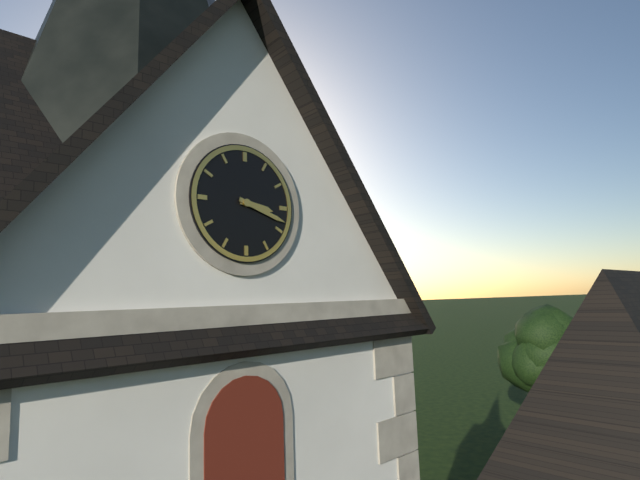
h=3 m=18
